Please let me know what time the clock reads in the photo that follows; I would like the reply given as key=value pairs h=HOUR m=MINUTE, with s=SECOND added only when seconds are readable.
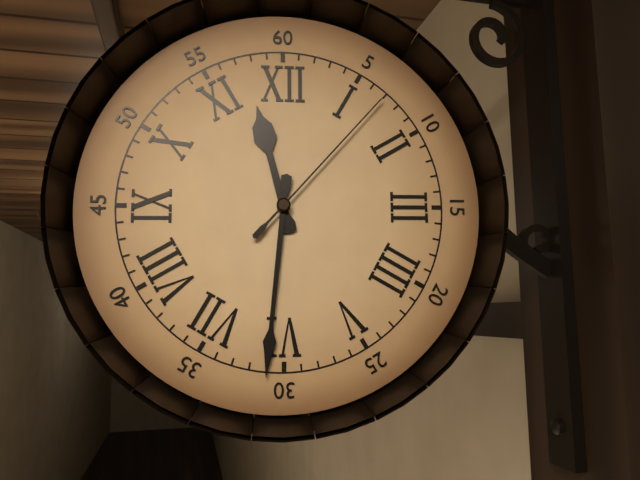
h=11 m=31 s=7
